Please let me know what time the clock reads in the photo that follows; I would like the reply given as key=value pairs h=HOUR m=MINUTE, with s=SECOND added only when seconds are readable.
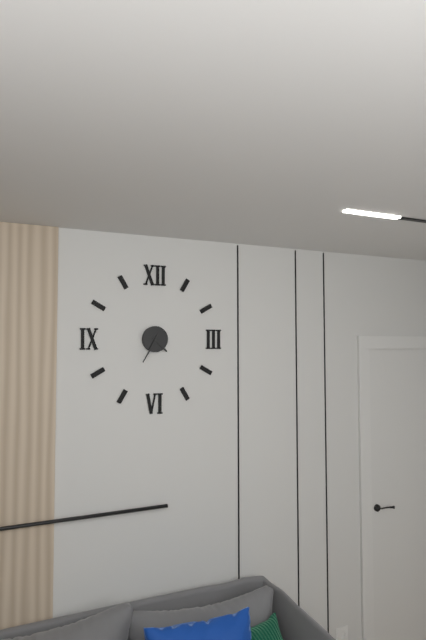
h=4 m=35
